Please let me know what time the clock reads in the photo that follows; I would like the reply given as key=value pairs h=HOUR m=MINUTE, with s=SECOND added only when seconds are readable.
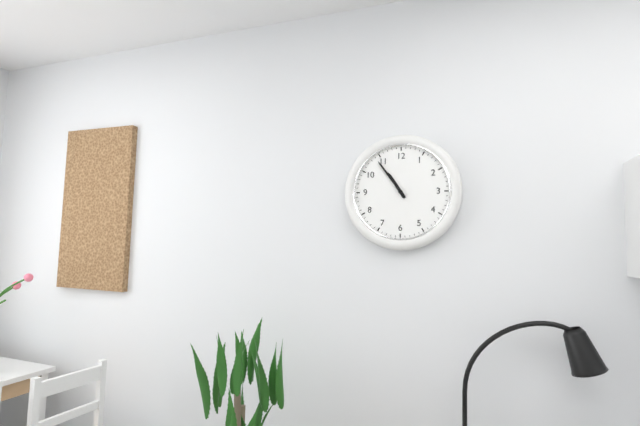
h=10 m=54
